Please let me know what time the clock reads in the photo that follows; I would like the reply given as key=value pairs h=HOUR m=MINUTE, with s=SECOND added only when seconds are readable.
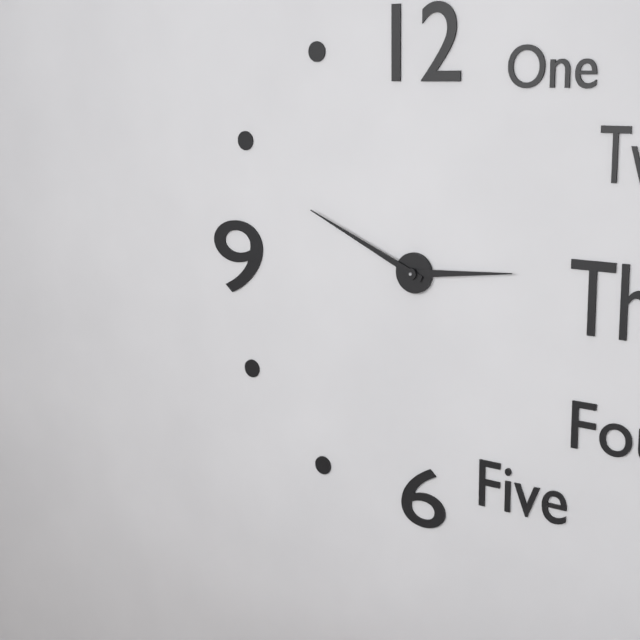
h=2 m=49
